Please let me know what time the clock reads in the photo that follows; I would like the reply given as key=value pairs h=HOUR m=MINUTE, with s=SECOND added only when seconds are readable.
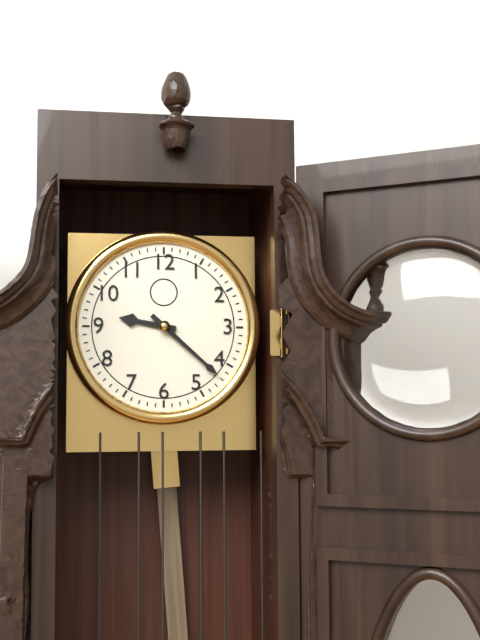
h=9 m=22
